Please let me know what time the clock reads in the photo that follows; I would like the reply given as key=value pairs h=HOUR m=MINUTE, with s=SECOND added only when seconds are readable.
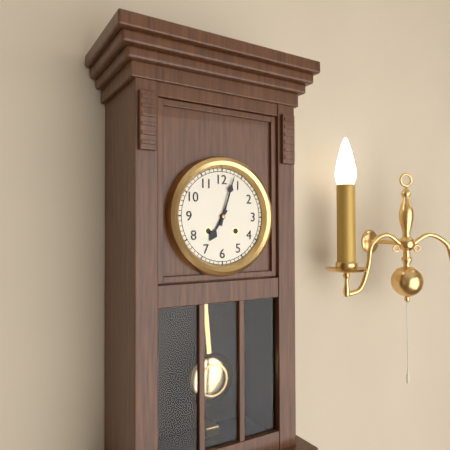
h=7 m=3
